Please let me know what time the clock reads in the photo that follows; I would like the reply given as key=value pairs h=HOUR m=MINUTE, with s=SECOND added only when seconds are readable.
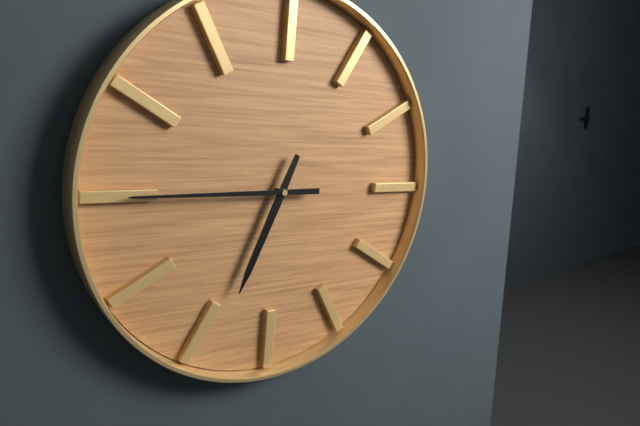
h=6 m=45
